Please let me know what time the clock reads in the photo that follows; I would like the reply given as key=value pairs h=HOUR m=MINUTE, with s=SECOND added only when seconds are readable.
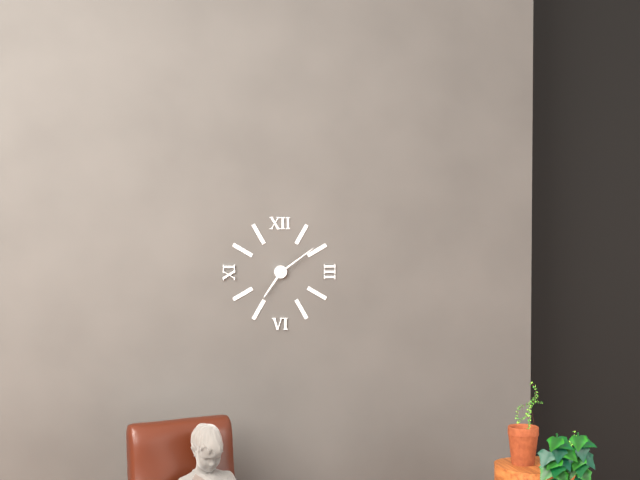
h=7 m=9
